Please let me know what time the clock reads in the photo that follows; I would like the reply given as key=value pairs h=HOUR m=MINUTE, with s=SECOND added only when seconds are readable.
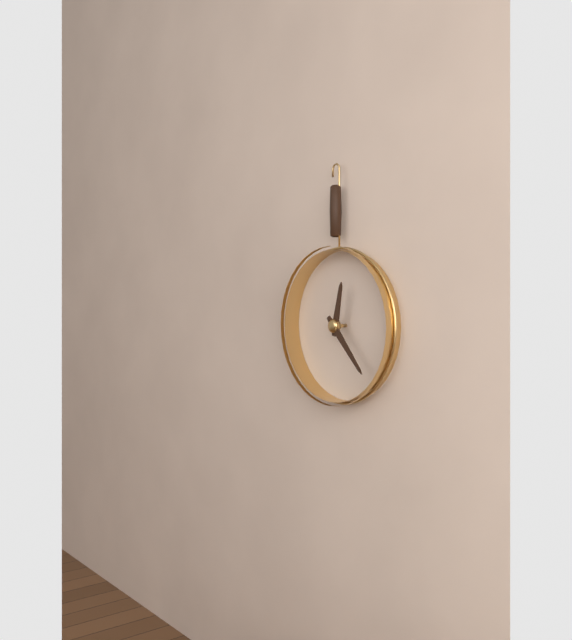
h=12 m=23
